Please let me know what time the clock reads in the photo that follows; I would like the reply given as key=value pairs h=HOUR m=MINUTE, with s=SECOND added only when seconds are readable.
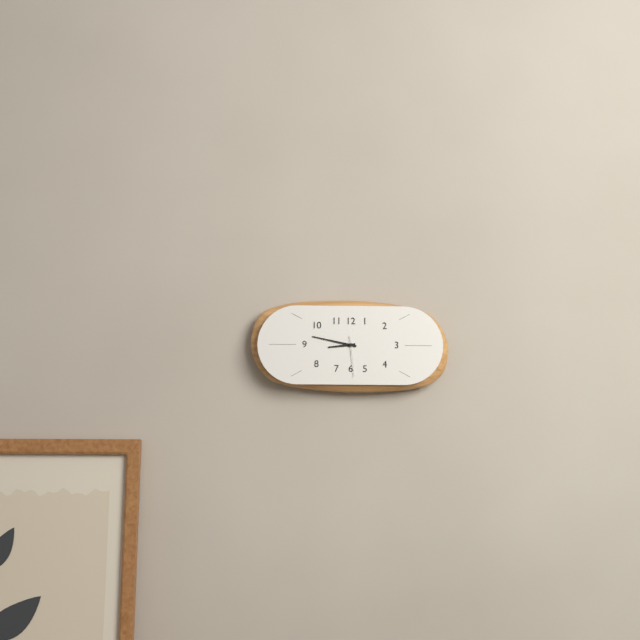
h=8 m=47
